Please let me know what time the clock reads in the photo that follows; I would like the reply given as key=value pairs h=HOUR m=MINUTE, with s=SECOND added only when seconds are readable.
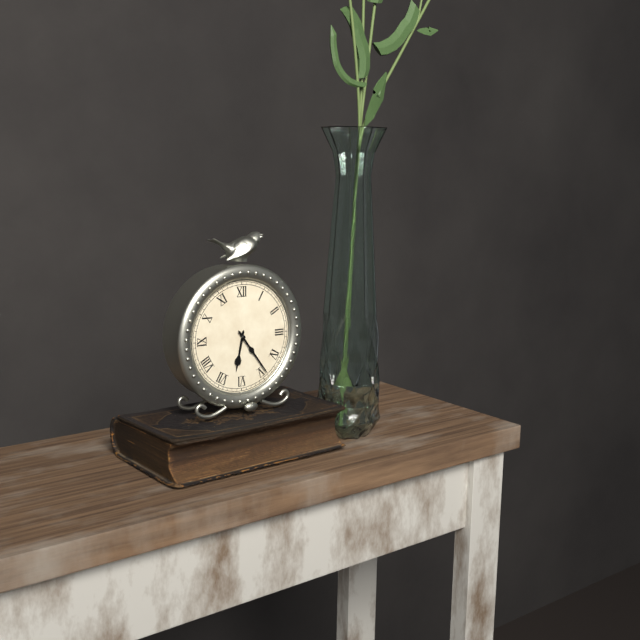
h=6 m=24
